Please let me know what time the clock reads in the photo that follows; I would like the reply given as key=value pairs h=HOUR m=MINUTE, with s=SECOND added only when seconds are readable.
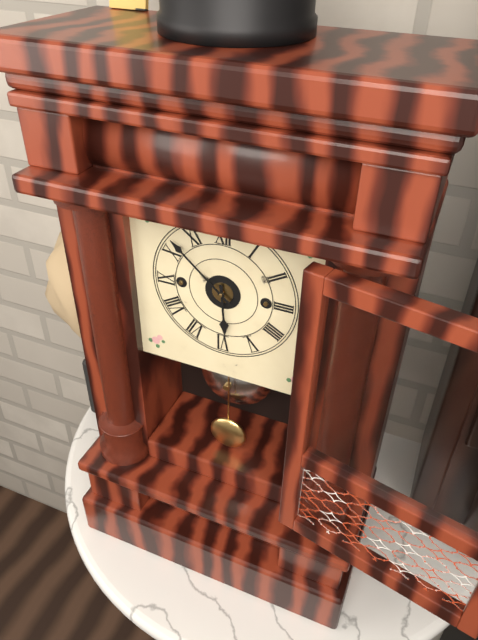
h=5 m=52
